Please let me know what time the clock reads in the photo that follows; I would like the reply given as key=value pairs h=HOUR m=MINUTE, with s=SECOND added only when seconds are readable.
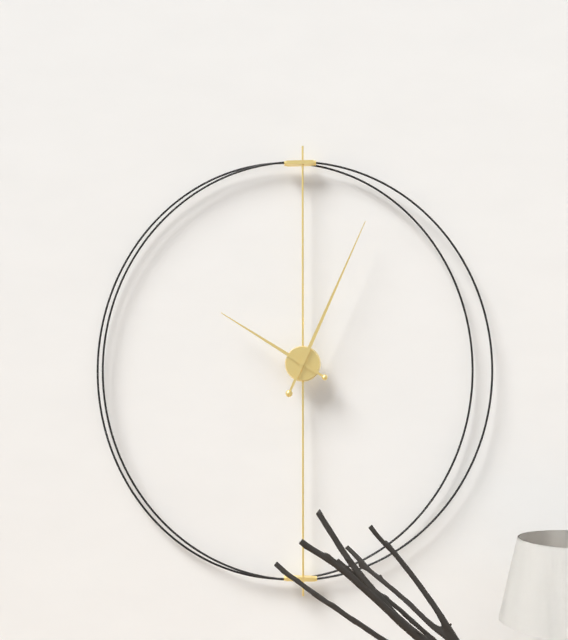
h=10 m=4
